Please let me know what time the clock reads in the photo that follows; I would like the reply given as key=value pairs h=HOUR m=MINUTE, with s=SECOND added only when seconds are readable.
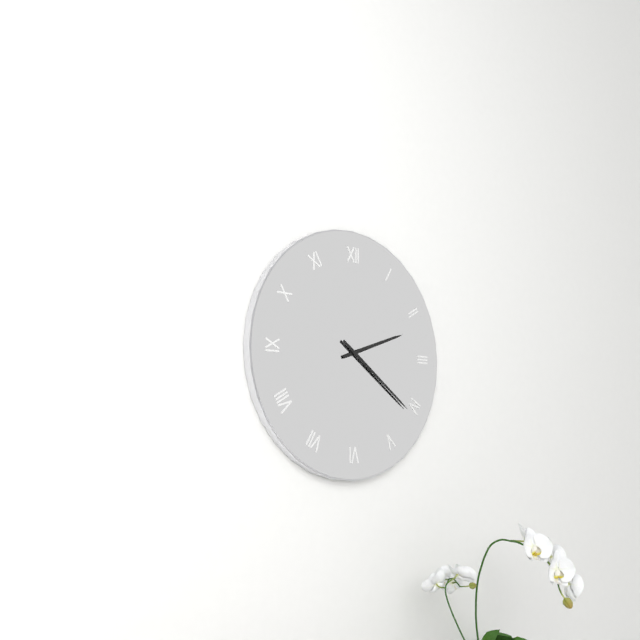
h=2 m=21
